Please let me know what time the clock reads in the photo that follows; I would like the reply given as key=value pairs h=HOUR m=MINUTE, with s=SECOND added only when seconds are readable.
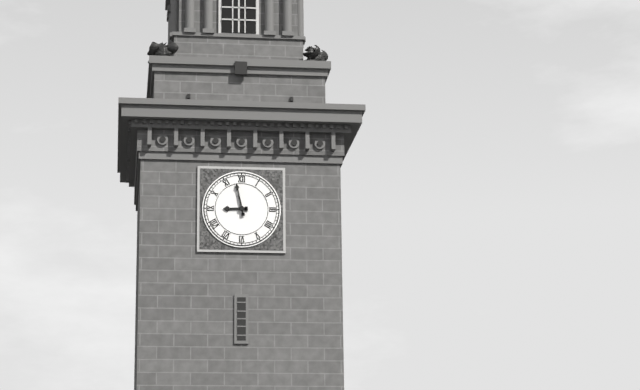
h=8 m=58
